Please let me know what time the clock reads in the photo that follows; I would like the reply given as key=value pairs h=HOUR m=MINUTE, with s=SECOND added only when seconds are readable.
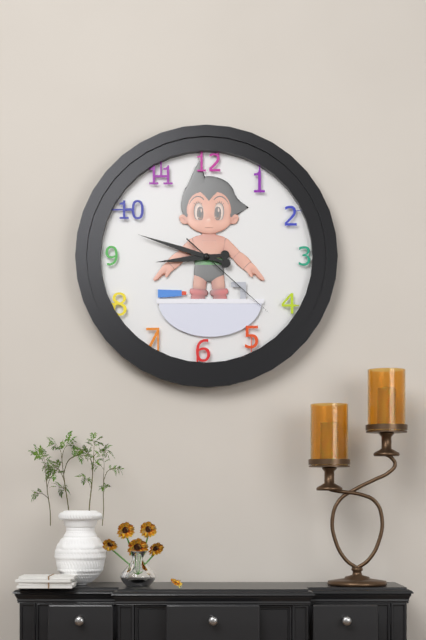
h=8 m=48 s=22
